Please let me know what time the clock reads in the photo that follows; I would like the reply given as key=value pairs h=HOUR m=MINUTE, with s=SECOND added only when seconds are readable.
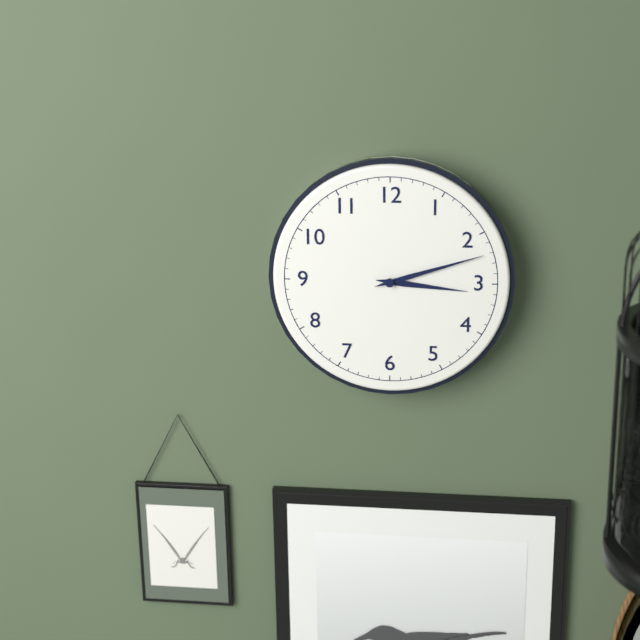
h=3 m=12
